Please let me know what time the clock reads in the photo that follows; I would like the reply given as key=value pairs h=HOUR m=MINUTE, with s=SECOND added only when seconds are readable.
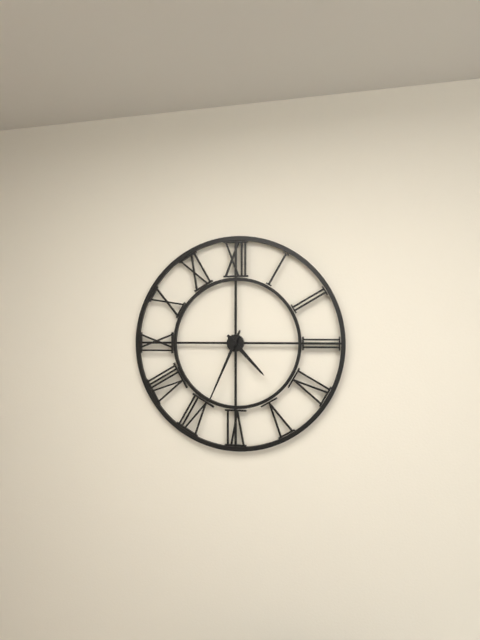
h=4 m=34
